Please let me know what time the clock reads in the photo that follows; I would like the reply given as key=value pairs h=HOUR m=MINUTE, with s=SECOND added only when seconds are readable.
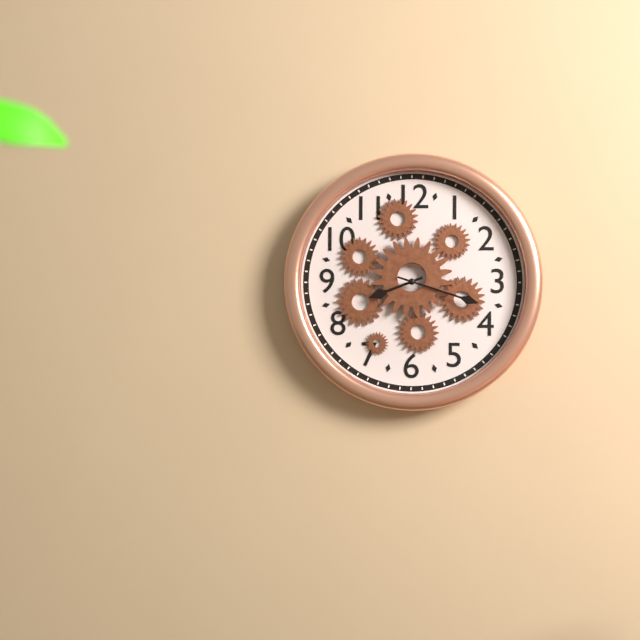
h=8 m=18
